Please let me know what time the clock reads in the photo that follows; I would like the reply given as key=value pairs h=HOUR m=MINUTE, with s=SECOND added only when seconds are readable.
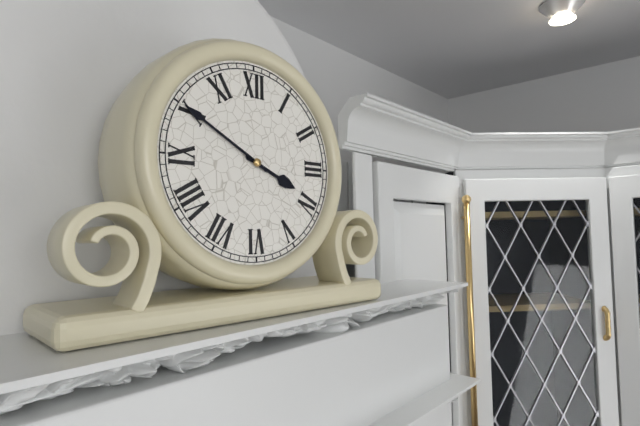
h=3 m=50
